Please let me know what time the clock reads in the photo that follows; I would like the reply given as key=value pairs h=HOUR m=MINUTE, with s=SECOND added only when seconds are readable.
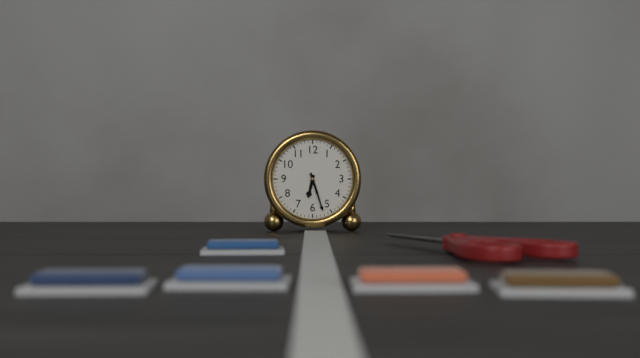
h=6 m=27
